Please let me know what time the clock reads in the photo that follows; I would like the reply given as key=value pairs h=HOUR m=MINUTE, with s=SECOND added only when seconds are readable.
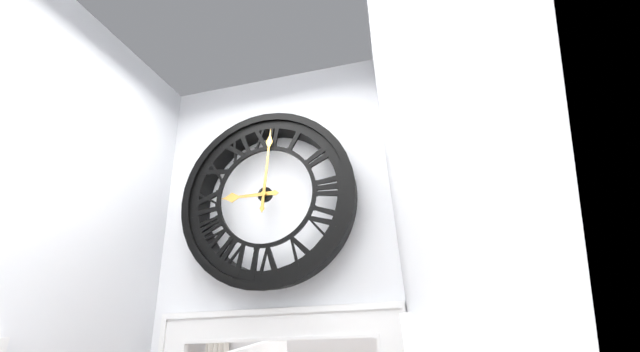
h=9 m=1
